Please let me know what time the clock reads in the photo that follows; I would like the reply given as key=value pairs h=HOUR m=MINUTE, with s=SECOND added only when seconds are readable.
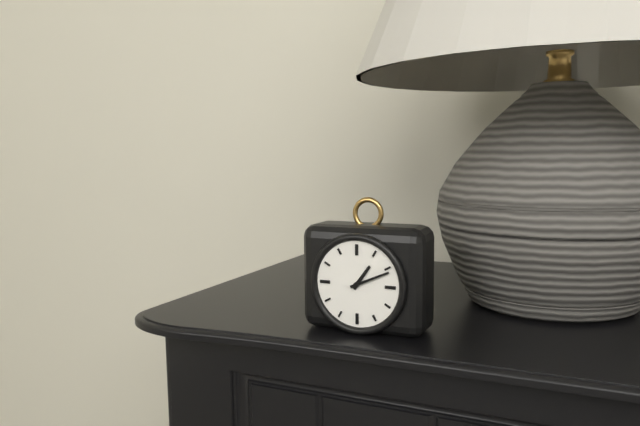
h=1 m=11
